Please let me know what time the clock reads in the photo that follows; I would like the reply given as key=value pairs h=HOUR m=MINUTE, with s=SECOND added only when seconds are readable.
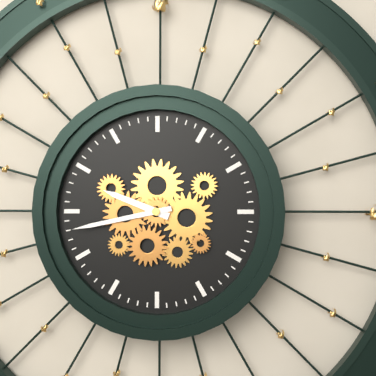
h=9 m=43
